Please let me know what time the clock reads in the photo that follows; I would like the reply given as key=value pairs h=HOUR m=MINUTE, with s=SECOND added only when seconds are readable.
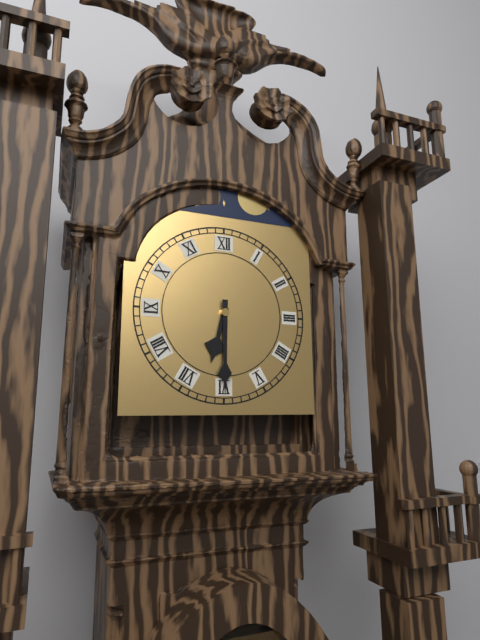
h=6 m=30
